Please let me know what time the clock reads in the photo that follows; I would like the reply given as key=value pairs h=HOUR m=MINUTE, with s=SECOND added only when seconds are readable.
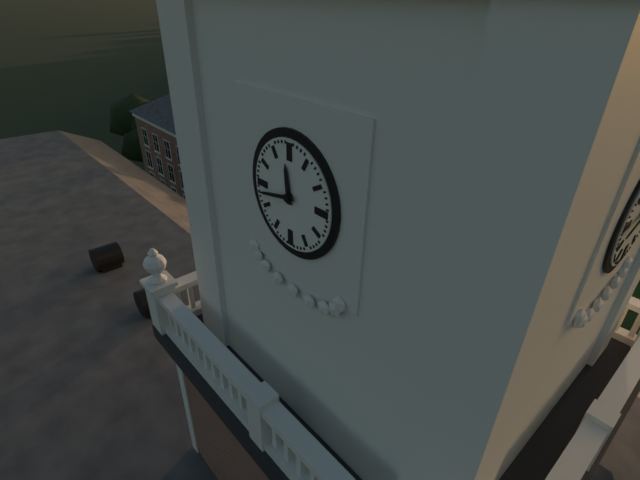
h=11 m=43
